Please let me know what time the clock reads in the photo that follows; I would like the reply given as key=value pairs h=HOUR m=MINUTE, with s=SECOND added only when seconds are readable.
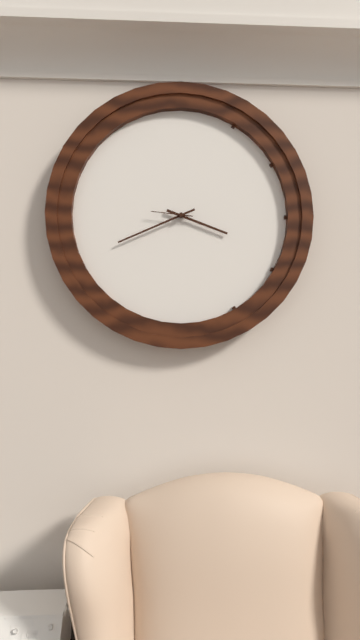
h=3 m=41
